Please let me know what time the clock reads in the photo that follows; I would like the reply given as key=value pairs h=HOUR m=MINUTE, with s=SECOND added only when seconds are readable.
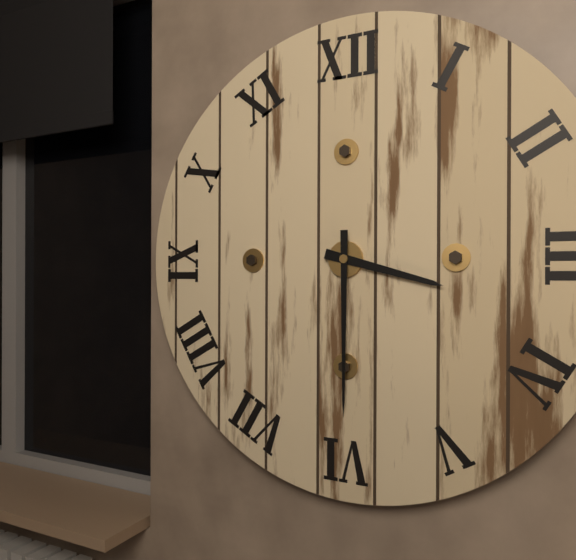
h=3 m=30
